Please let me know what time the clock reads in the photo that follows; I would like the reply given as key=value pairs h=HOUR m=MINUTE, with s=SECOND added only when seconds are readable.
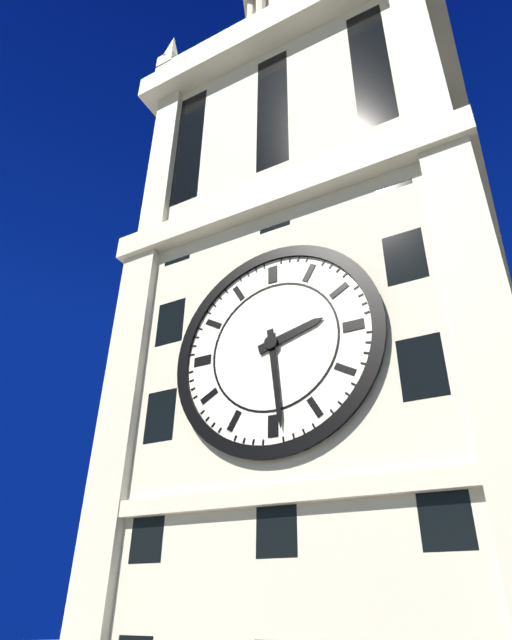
h=2 m=29
